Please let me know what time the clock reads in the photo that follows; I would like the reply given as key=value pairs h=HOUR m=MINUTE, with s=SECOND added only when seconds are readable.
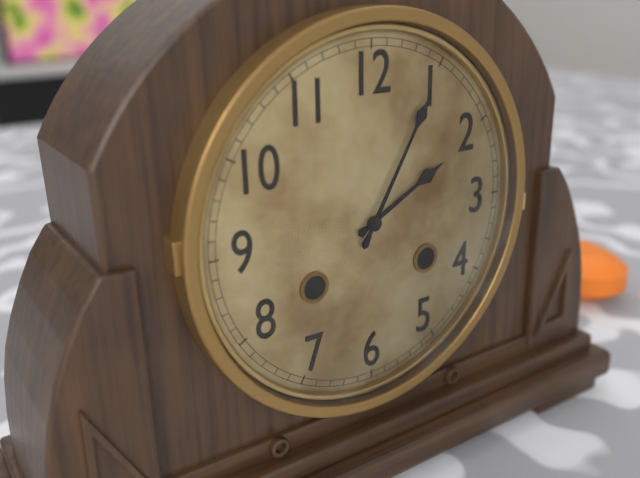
h=2 m=5
